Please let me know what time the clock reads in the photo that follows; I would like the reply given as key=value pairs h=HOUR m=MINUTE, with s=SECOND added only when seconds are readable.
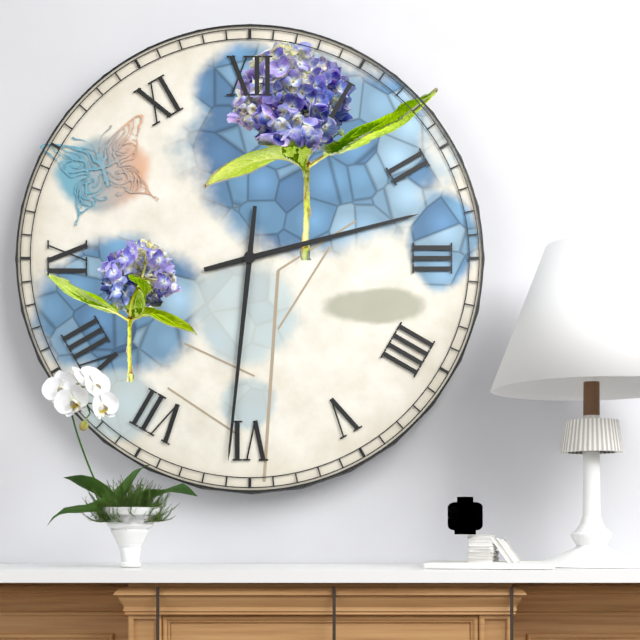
h=2 m=31
